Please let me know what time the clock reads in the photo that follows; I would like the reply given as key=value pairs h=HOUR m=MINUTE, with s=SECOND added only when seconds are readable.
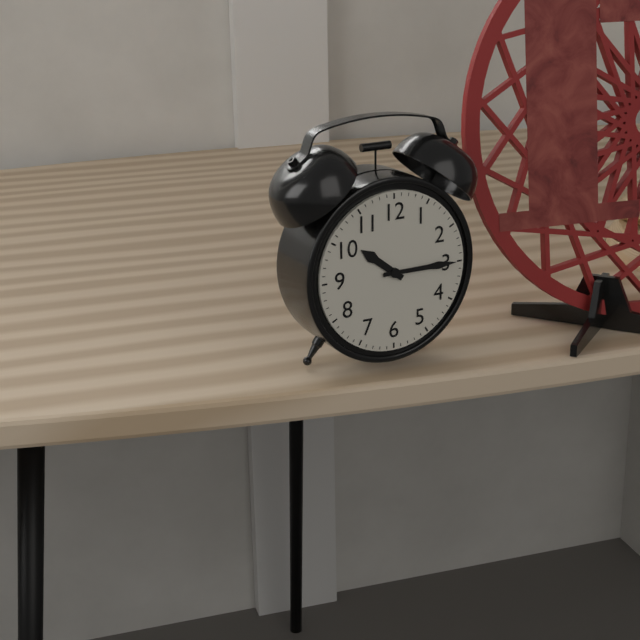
h=10 m=15
